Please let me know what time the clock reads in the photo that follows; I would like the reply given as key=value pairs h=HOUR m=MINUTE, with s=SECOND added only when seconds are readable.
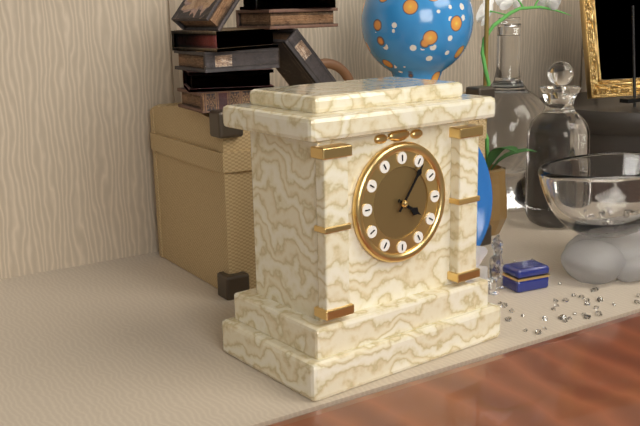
h=4 m=6
